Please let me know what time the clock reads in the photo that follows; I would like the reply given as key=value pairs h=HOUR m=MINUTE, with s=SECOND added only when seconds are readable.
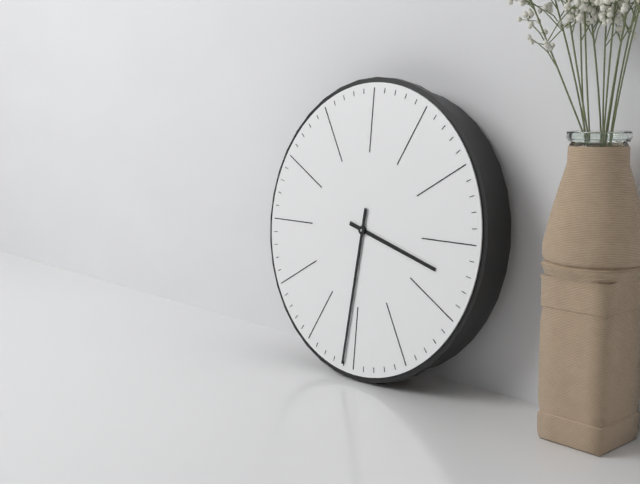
h=3 m=31
